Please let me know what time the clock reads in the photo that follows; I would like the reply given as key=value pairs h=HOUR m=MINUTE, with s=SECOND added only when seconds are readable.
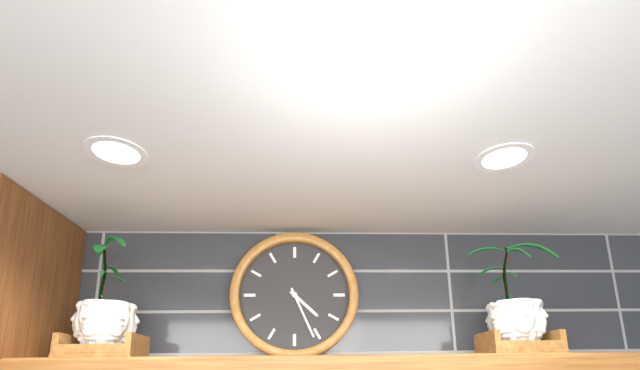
h=4 m=26
